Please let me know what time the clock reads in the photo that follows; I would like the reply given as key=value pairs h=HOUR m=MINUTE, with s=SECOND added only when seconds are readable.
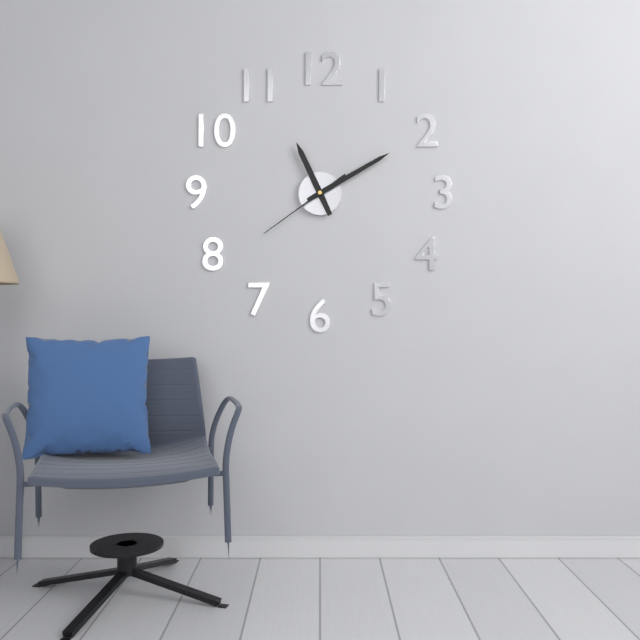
h=11 m=10 s=39
